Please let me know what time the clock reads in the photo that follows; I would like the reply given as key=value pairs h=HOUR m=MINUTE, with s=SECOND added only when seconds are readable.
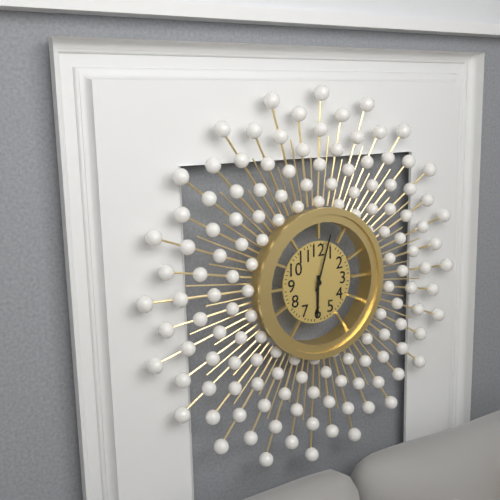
h=6 m=3
